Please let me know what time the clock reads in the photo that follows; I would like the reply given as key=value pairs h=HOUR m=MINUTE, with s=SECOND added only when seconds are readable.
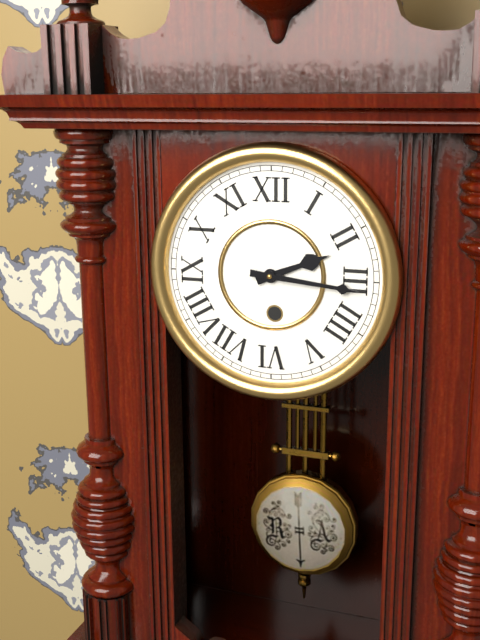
h=2 m=16
